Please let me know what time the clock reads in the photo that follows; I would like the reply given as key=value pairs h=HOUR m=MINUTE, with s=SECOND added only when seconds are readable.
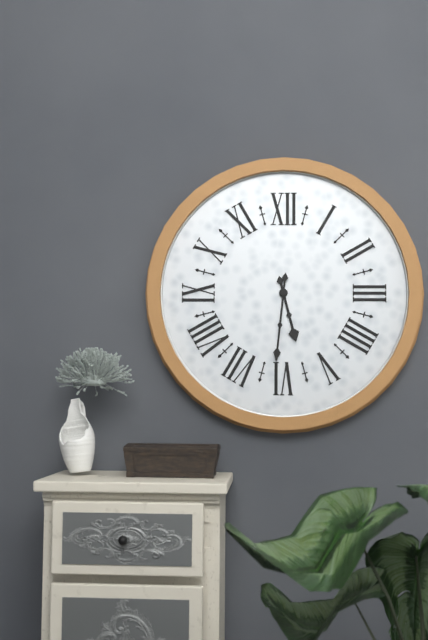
h=5 m=31
